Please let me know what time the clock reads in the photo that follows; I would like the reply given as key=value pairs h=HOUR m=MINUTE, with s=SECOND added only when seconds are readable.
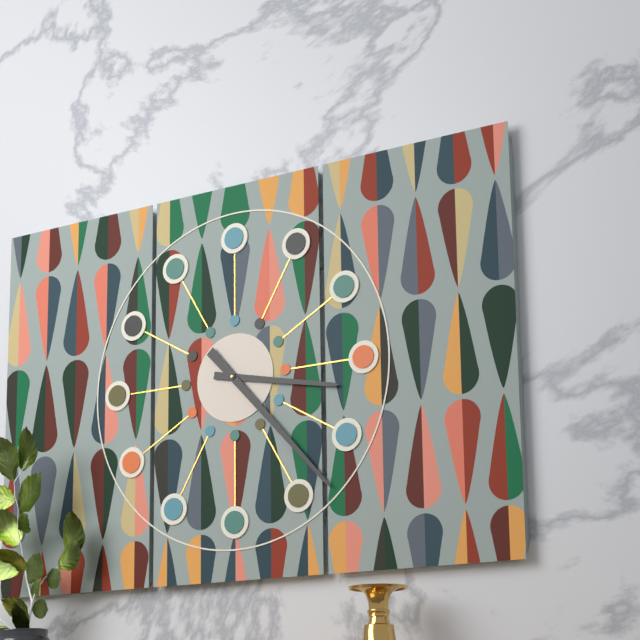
h=3 m=23
